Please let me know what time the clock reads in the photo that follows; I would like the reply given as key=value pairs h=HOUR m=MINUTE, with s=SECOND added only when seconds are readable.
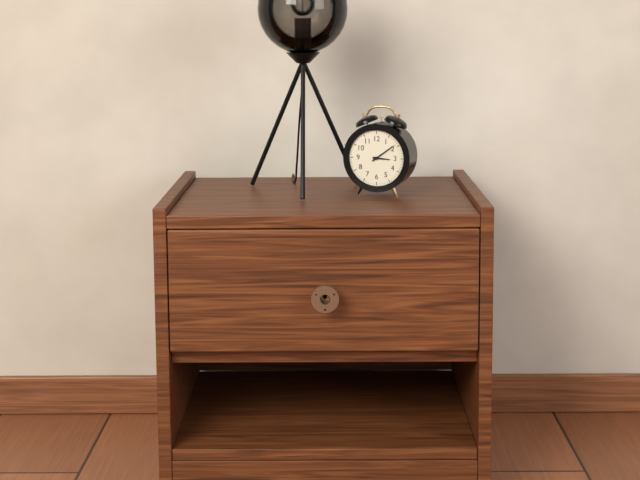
h=3 m=9
